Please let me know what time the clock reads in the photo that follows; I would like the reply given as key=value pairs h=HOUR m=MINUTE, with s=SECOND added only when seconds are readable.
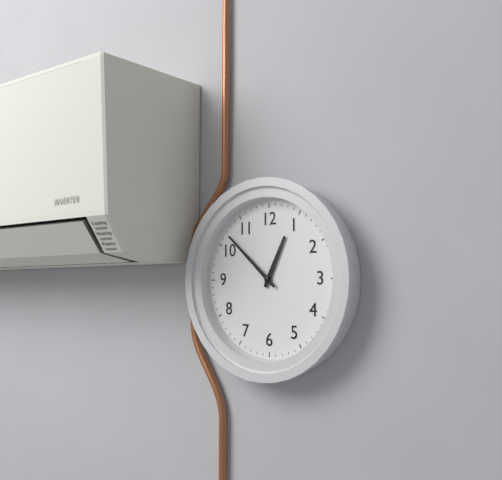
h=12 m=52
